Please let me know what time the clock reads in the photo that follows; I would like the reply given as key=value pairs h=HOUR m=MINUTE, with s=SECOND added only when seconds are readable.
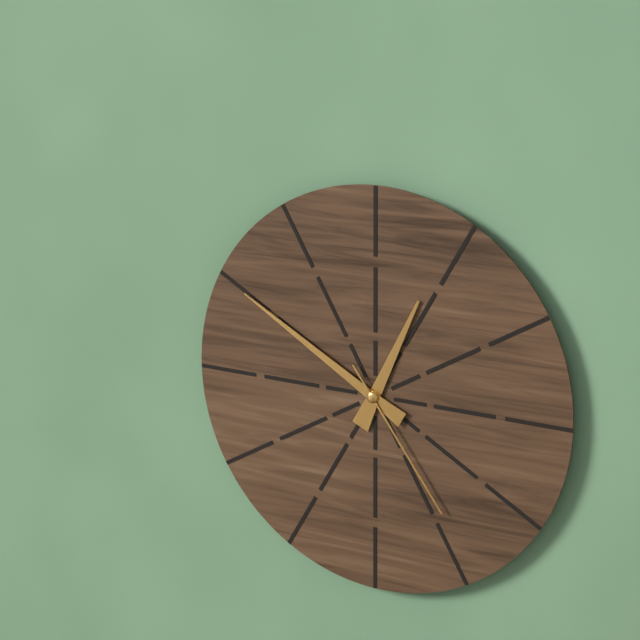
h=12 m=50 s=24
